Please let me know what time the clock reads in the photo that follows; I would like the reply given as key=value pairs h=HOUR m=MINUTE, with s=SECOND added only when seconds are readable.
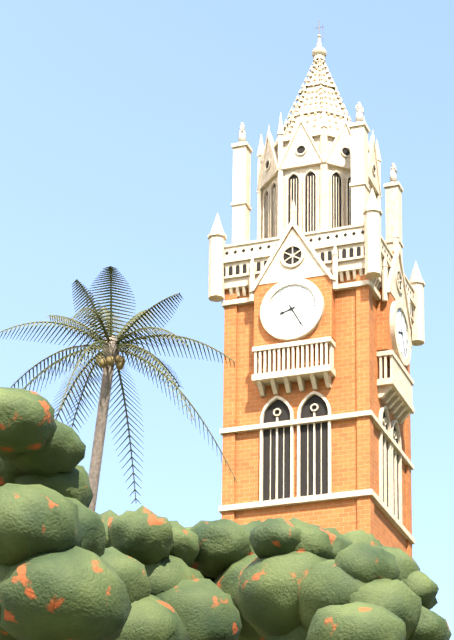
h=8 m=25
